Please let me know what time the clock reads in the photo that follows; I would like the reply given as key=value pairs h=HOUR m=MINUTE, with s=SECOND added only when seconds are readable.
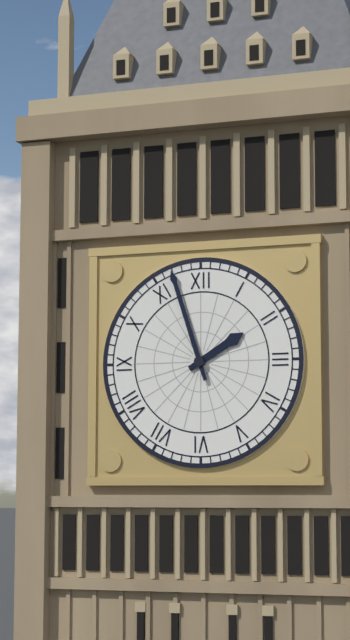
h=1 m=57
